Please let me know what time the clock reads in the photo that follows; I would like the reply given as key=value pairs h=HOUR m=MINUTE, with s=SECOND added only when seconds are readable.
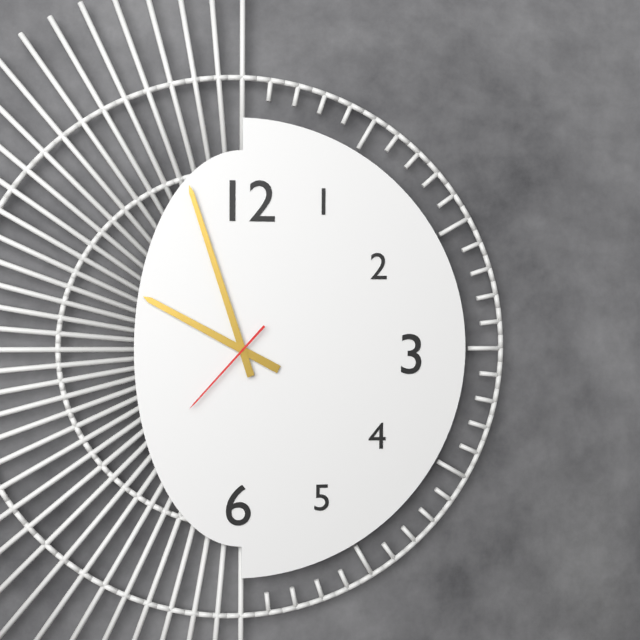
h=9 m=57 s=37
